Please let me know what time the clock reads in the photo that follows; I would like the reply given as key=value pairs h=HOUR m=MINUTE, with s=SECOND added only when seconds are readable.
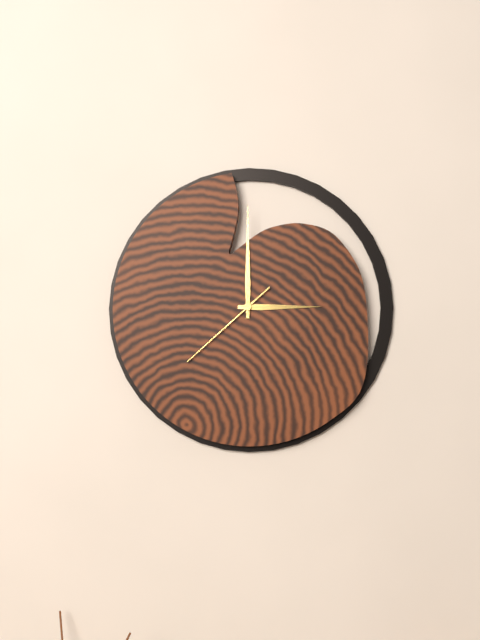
h=3 m=0 s=38
